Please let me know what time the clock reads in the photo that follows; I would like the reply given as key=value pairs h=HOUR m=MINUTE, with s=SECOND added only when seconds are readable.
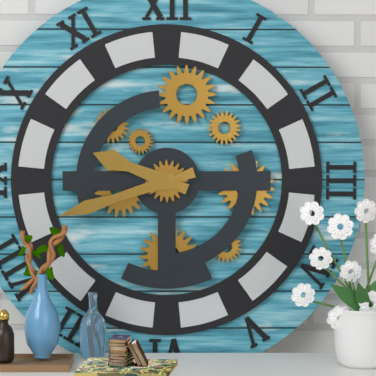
h=9 m=42
